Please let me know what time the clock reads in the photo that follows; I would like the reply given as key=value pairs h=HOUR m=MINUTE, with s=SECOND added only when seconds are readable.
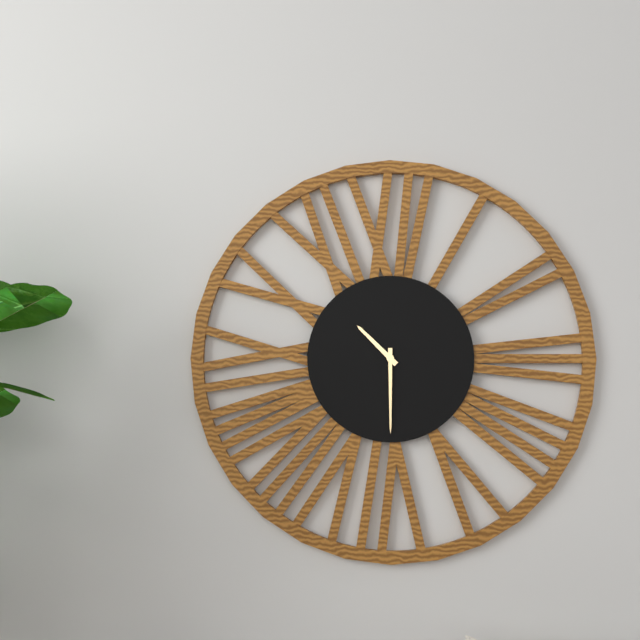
h=10 m=30
